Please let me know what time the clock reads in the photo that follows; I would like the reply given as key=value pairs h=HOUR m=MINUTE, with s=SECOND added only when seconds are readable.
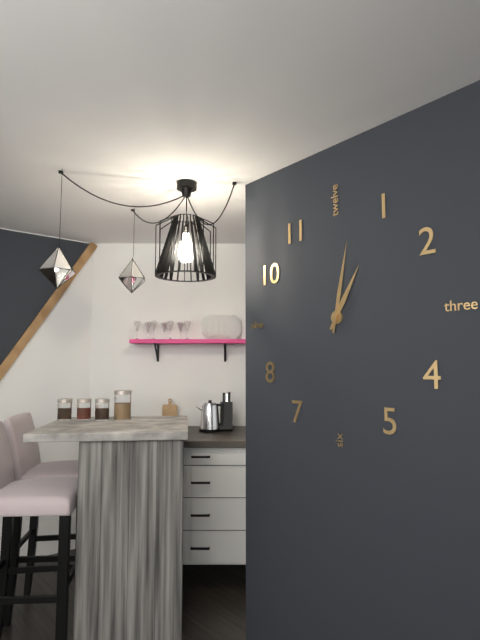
h=1 m=2
